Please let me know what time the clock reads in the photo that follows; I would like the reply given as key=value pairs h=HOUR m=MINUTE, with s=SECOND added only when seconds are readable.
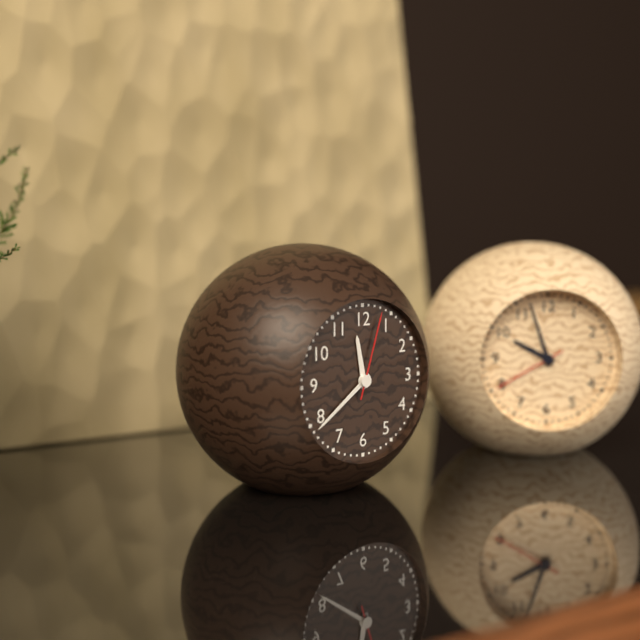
h=11 m=39 s=3
